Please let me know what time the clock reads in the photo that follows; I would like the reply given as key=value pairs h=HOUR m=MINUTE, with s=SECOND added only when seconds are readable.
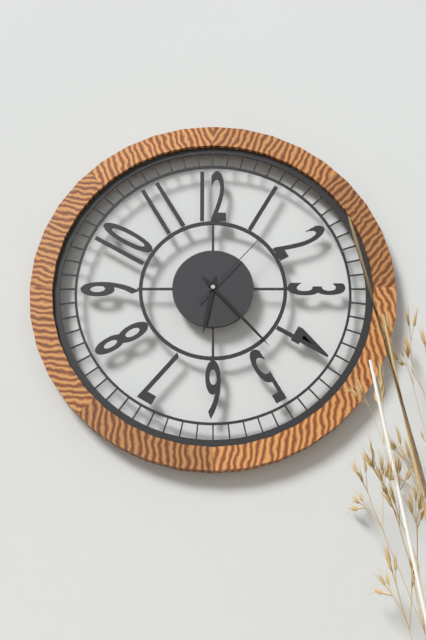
h=6 m=23 s=7
